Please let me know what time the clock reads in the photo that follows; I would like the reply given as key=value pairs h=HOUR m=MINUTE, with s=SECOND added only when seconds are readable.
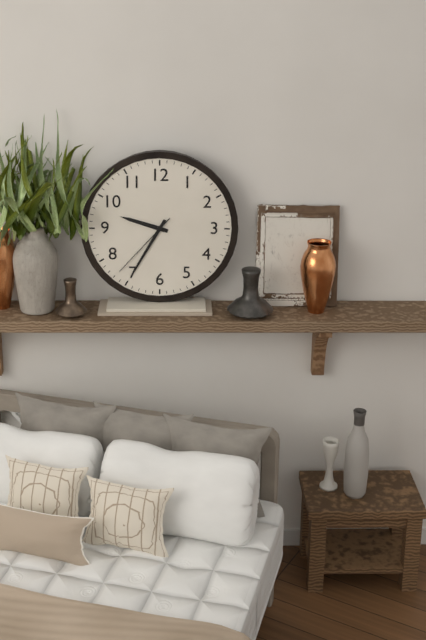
h=9 m=35 s=37
